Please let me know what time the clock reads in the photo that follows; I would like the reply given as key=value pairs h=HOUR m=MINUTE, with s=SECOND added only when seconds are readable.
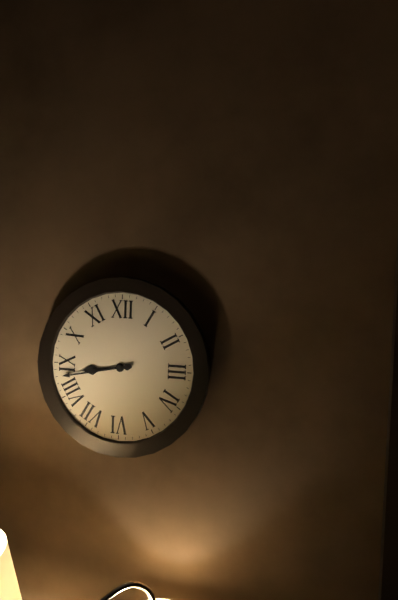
h=8 m=43
